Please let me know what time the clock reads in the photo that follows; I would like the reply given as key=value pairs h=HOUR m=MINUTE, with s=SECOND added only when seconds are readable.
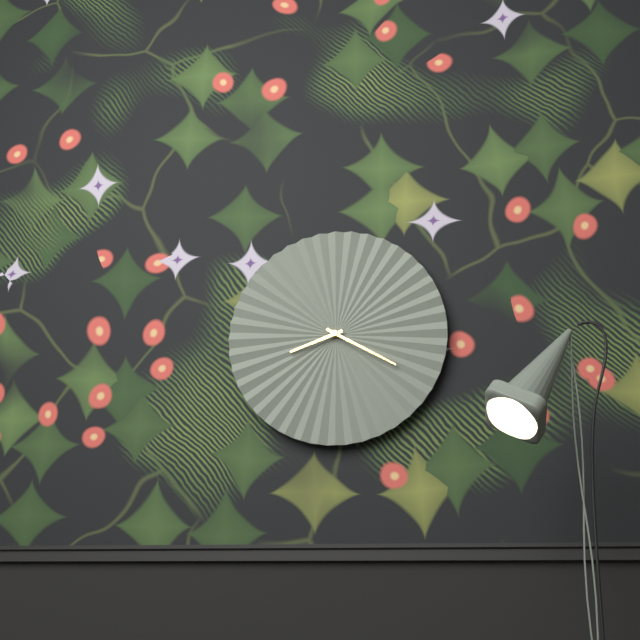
h=8 m=20
